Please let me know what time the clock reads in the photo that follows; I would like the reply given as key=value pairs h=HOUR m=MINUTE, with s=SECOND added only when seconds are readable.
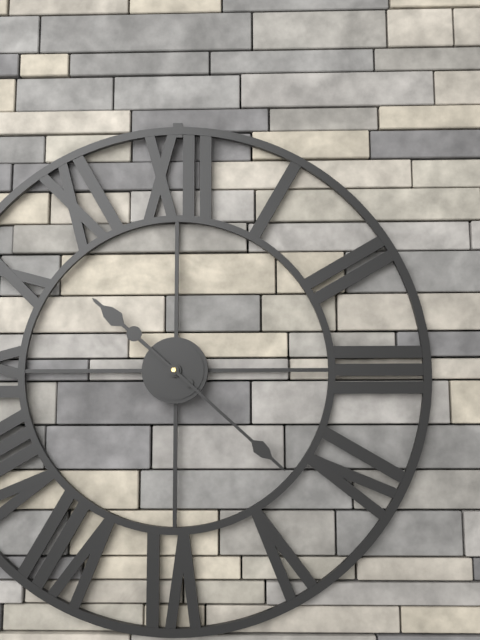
h=10 m=22
